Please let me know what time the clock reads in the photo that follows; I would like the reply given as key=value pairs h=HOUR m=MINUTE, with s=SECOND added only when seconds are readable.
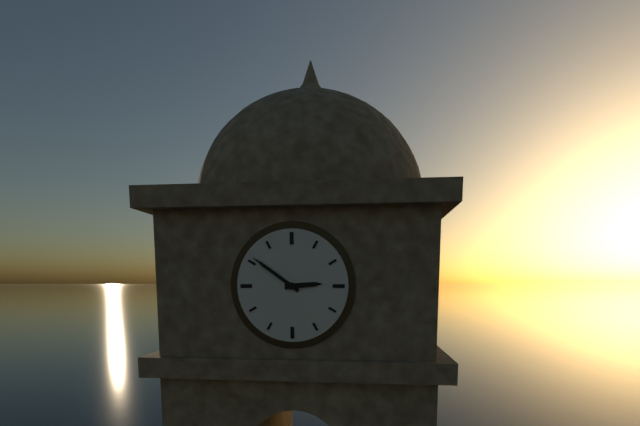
h=2 m=51
